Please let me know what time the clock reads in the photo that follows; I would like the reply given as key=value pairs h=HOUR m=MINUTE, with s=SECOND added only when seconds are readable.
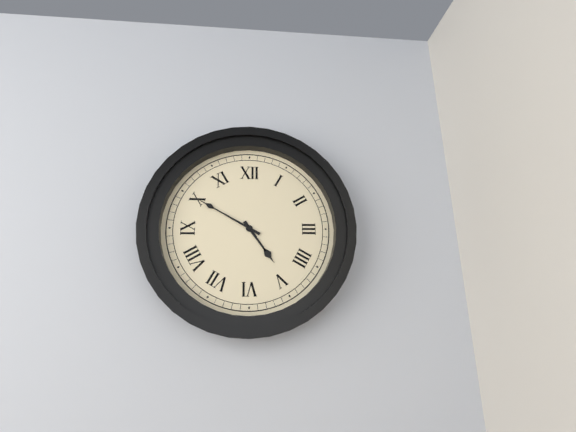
h=4 m=50
